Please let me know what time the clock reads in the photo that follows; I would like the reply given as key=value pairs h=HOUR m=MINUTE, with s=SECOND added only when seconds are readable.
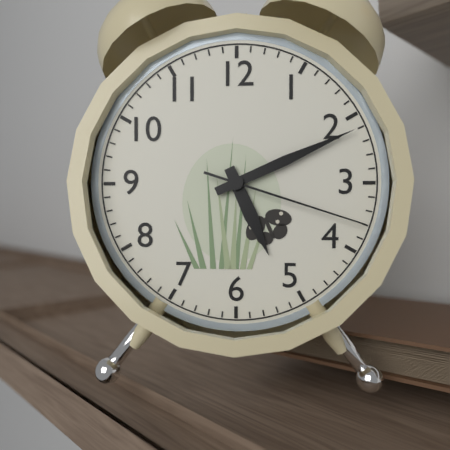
h=5 m=11 s=18
